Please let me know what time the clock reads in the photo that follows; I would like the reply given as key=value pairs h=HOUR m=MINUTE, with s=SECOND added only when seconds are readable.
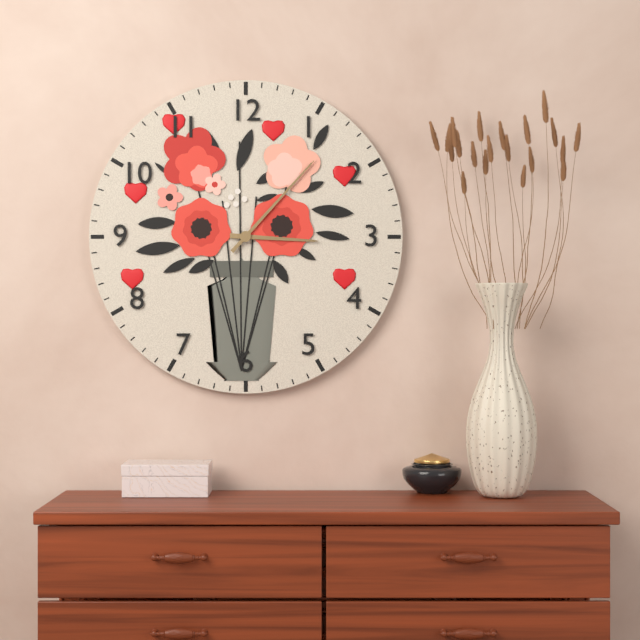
h=3 m=7
